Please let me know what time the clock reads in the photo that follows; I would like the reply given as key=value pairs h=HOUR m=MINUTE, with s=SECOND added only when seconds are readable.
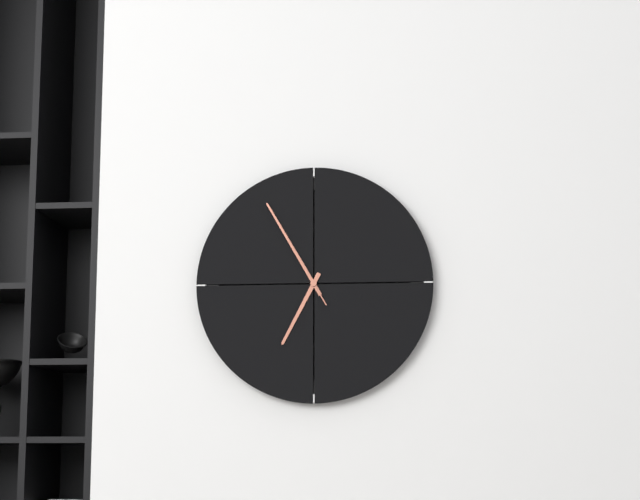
h=6 m=55 s=55
